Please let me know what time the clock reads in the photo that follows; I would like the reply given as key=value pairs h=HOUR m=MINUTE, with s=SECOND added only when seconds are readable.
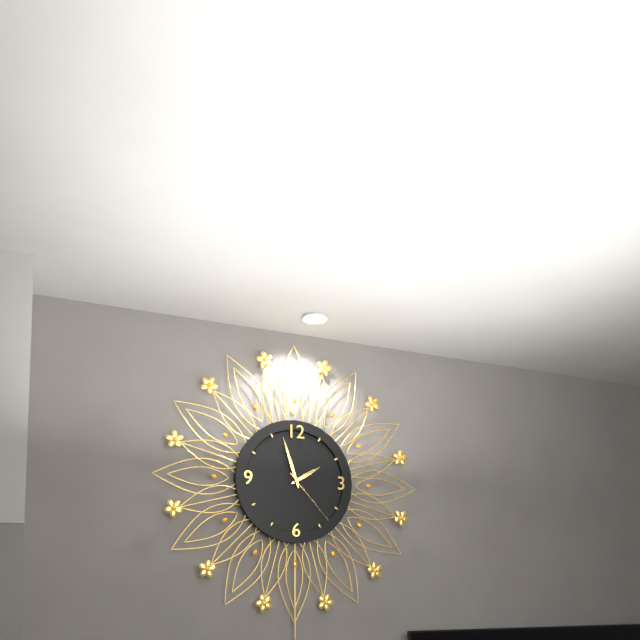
h=1 m=57 s=23
